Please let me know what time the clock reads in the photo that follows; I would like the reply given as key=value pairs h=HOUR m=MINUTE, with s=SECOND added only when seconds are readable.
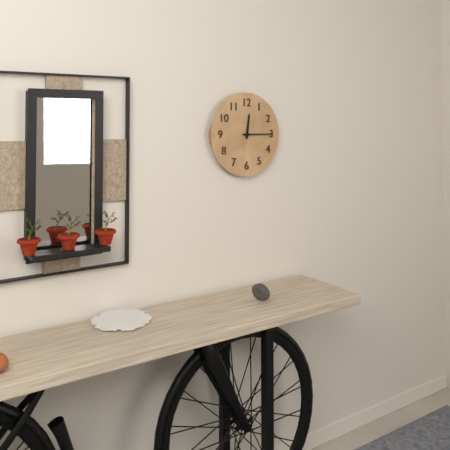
h=12 m=15
